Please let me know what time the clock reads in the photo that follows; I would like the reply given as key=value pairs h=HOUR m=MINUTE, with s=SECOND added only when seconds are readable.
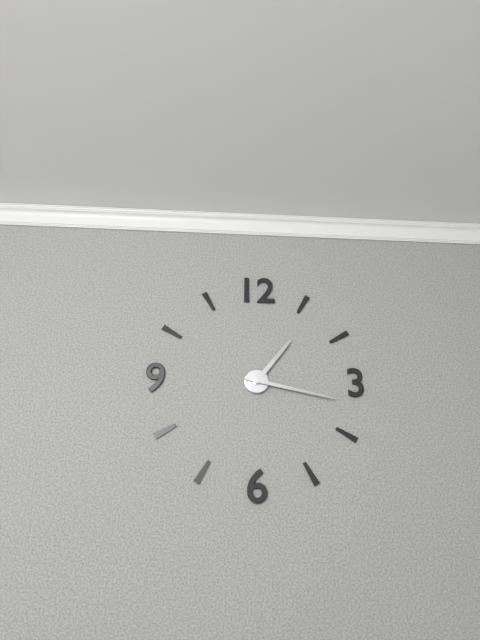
h=1 m=17
